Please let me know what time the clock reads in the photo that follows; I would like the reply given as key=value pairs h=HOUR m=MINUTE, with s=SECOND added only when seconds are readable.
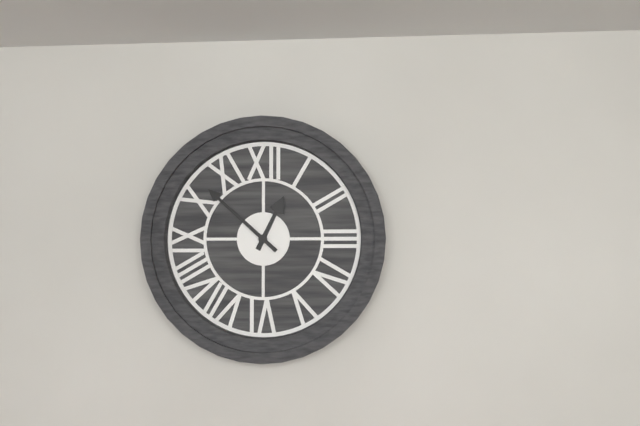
h=12 m=52
